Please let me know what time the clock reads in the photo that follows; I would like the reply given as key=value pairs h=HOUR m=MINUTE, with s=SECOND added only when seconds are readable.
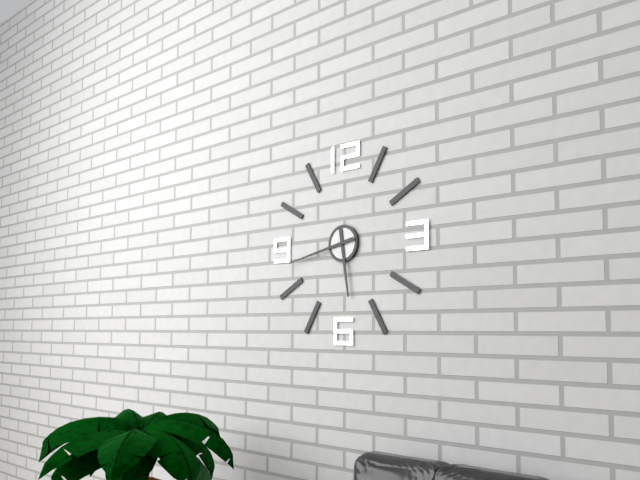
h=5 m=43
